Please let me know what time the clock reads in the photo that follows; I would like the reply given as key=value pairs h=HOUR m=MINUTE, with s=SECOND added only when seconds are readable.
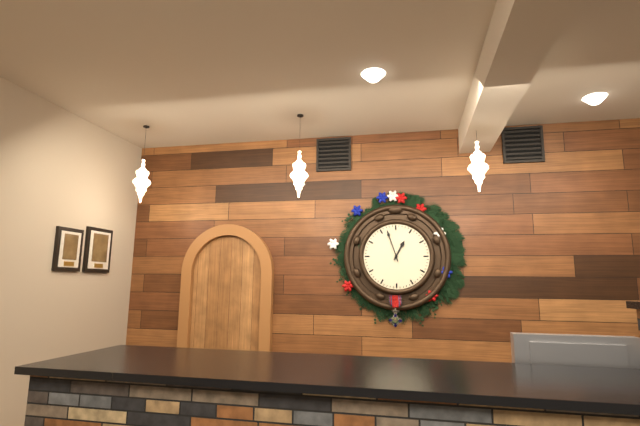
h=12 m=57
